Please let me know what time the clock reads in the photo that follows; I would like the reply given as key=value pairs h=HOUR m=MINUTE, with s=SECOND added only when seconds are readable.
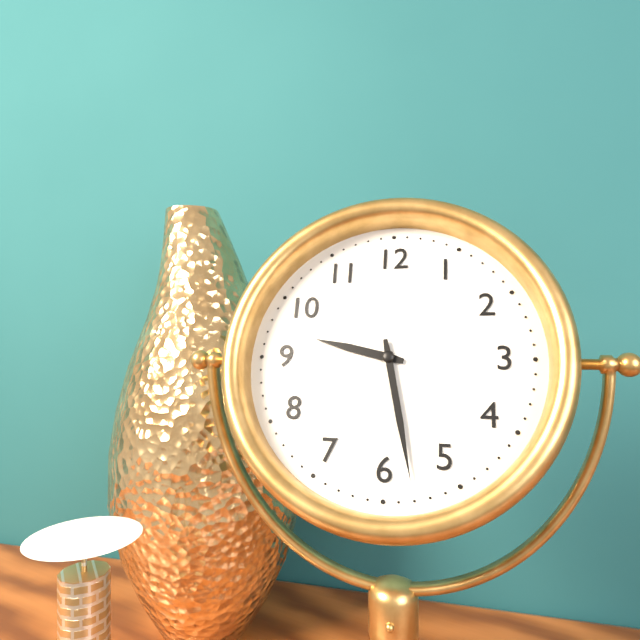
h=9 m=28
